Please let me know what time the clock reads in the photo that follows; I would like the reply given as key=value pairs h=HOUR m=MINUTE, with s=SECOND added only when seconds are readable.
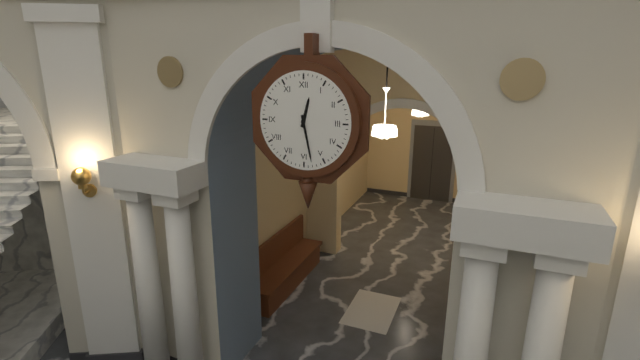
h=12 m=28
